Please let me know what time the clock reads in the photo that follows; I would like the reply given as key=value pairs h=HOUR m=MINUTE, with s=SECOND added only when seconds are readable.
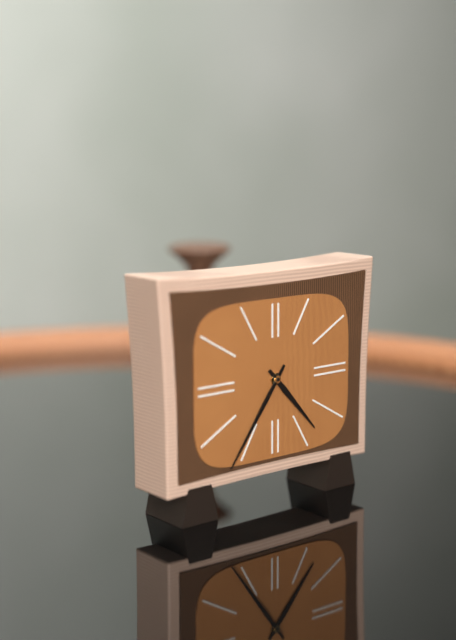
h=4 m=36
